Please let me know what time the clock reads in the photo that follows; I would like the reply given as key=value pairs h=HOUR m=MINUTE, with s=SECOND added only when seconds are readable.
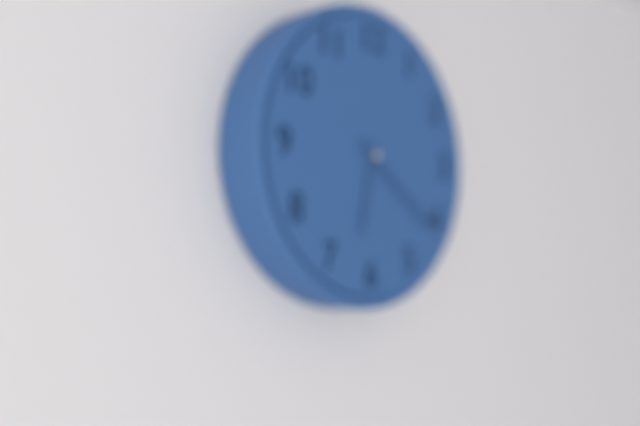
h=6 m=21
